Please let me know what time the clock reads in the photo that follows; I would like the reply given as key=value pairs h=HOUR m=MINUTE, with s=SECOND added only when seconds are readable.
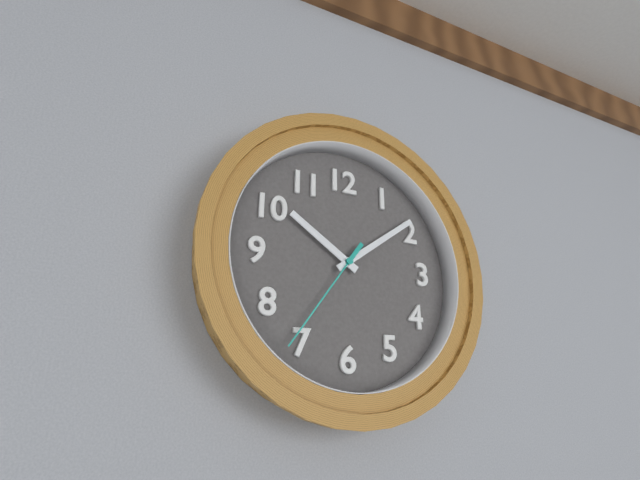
h=10 m=9 s=36
